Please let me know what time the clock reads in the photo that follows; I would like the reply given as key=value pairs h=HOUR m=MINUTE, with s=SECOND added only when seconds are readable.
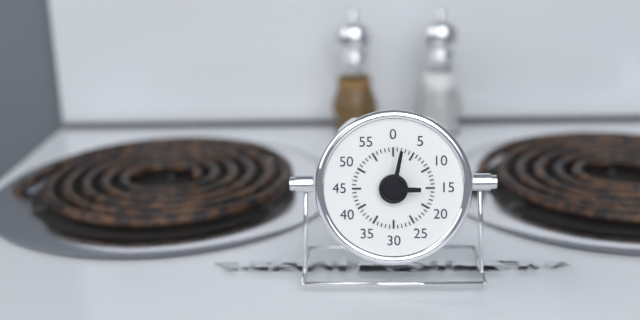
h=3 m=2
